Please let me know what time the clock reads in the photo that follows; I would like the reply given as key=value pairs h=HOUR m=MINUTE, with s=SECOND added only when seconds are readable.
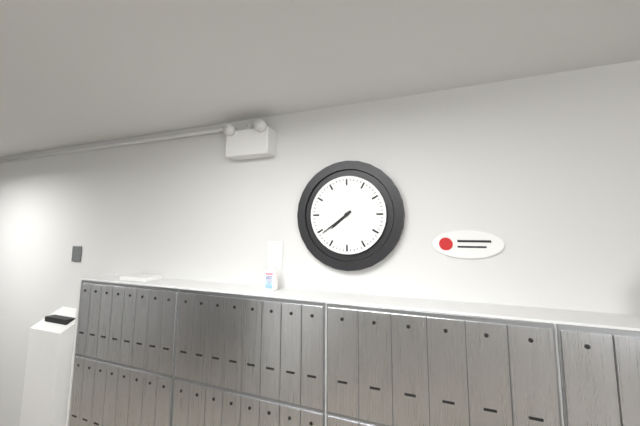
h=7 m=39
